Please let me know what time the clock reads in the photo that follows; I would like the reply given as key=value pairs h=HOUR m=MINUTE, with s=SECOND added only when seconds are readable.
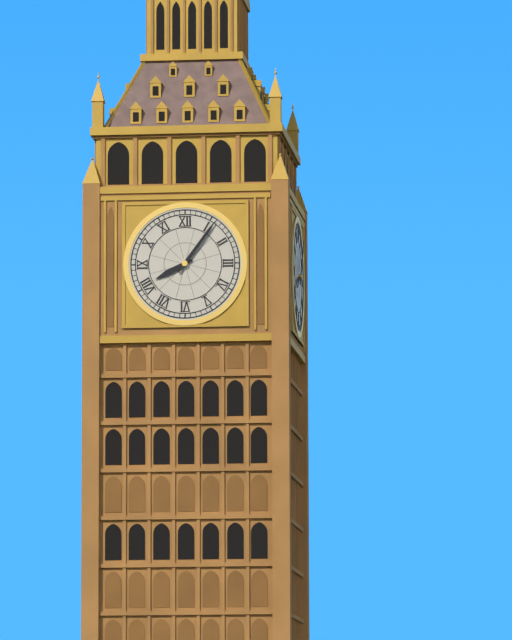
h=8 m=6
